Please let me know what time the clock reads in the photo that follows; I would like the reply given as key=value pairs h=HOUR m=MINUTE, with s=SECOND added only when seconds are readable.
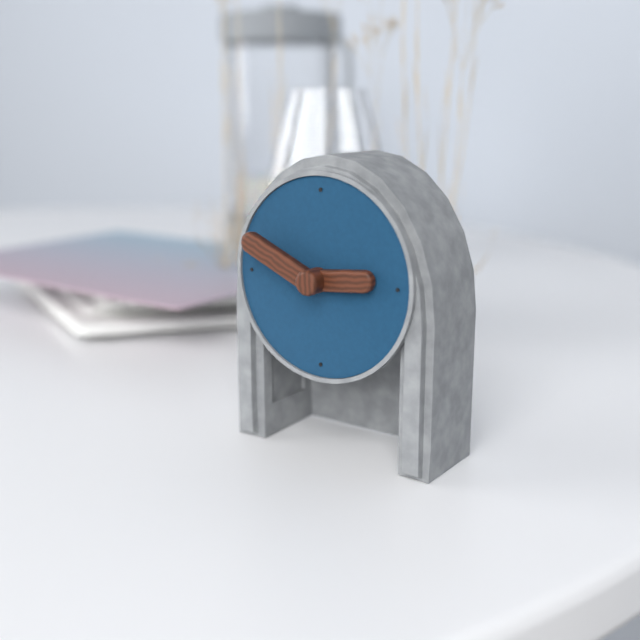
h=2 m=49
